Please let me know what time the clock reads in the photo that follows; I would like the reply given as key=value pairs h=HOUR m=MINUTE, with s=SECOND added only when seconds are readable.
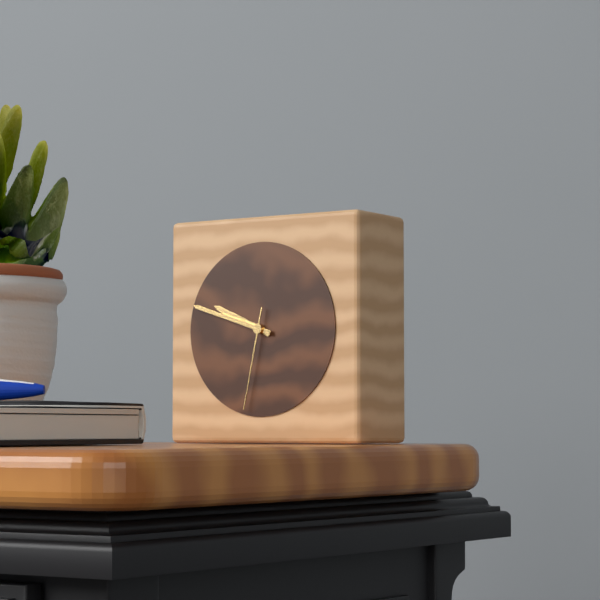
h=9 m=48 s=32
